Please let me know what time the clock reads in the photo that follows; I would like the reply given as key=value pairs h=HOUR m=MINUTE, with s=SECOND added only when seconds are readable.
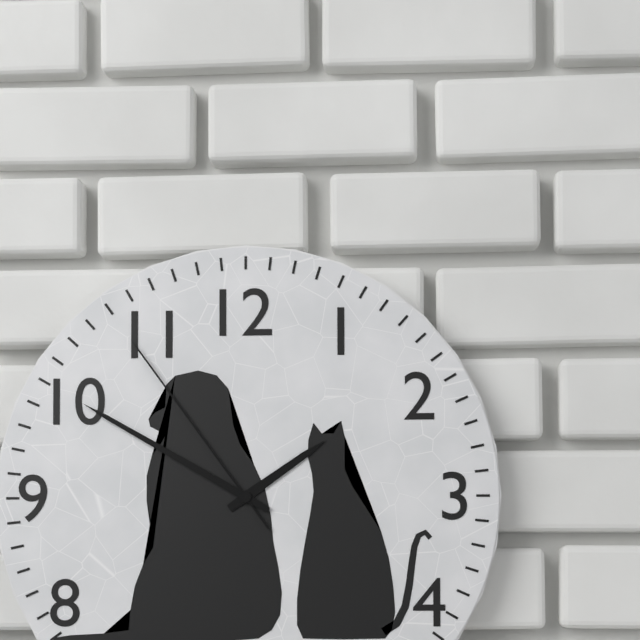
h=1 m=50 s=54
